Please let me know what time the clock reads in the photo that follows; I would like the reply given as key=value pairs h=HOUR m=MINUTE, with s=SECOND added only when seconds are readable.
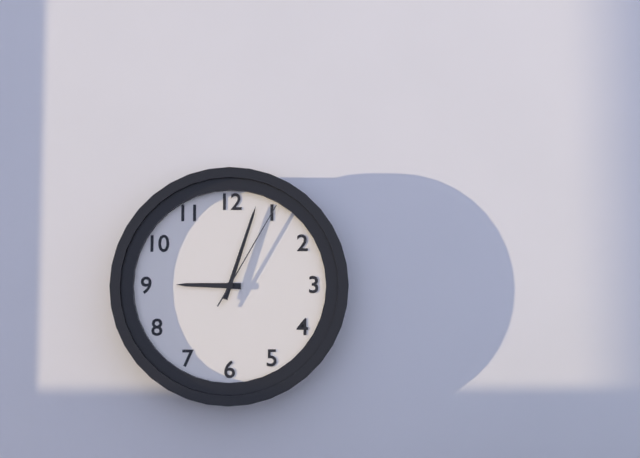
h=9 m=3 s=5
